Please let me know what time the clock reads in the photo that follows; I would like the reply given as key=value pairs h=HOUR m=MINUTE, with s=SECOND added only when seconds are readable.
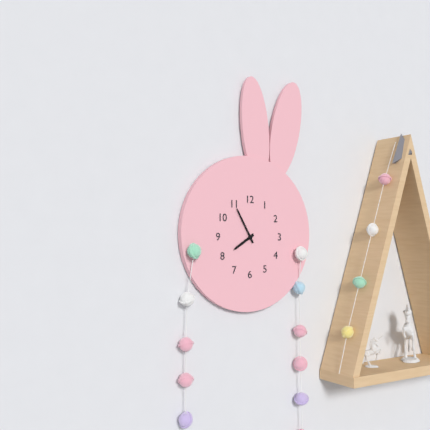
h=7 m=55
